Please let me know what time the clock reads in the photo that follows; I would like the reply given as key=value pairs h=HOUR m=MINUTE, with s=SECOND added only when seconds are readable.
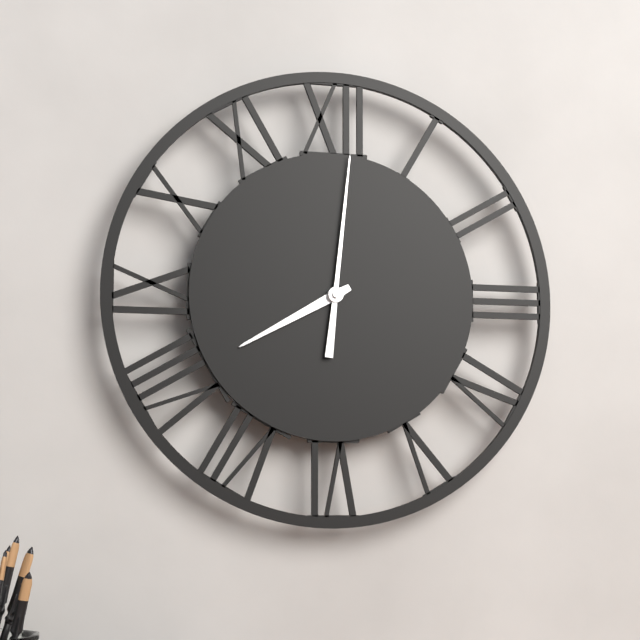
h=8 m=1
